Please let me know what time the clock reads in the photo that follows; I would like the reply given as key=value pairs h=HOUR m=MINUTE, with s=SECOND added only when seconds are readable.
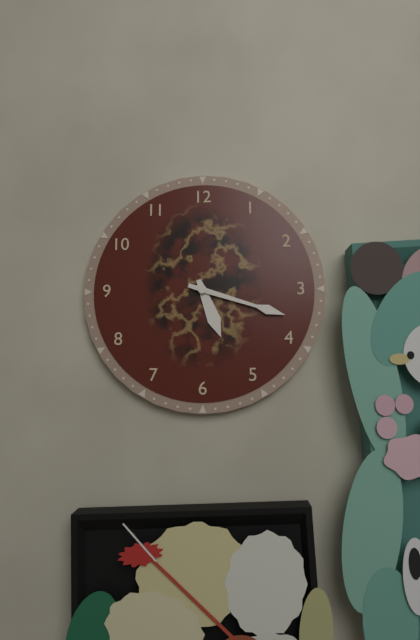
h=5 m=18
